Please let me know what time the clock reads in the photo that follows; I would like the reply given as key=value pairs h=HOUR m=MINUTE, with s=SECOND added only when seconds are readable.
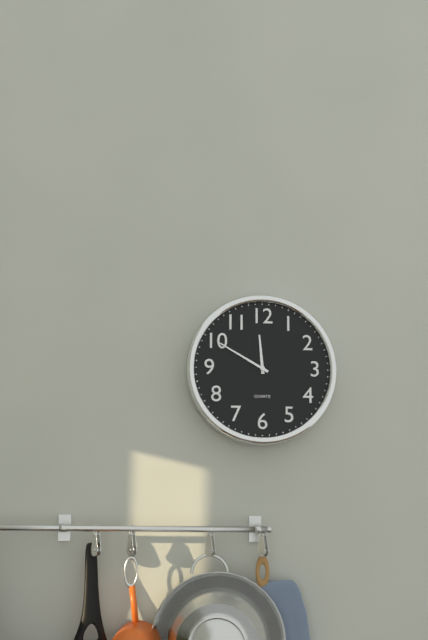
h=11 m=50
